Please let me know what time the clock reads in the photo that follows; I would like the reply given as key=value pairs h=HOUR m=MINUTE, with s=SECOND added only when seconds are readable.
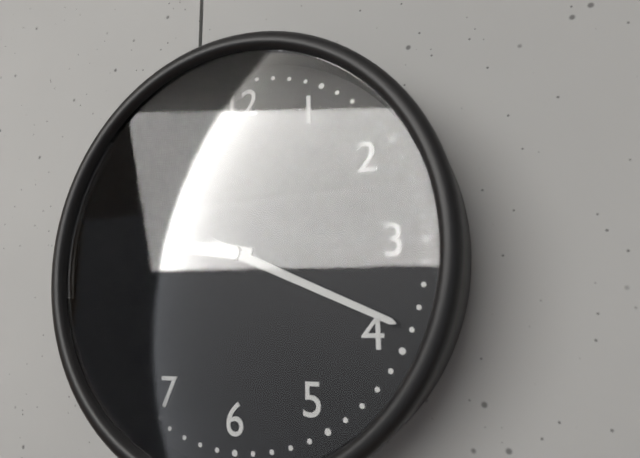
h=9 m=19
